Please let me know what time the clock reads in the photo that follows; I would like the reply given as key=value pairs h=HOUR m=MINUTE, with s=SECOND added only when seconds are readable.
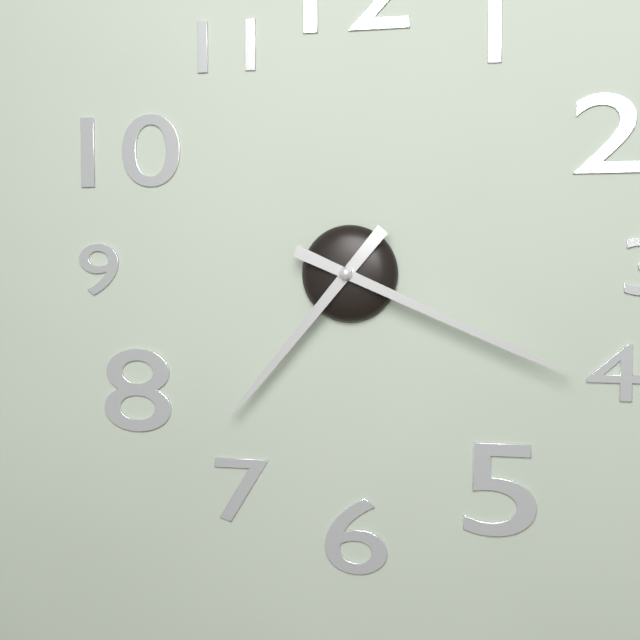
h=7 m=19
